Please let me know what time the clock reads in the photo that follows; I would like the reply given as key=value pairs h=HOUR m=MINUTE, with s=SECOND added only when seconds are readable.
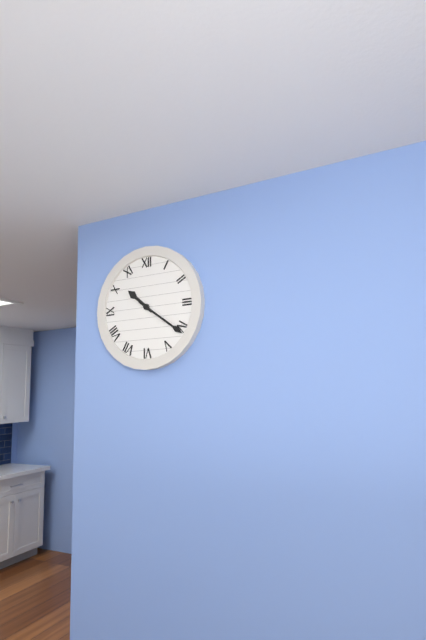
h=10 m=21
